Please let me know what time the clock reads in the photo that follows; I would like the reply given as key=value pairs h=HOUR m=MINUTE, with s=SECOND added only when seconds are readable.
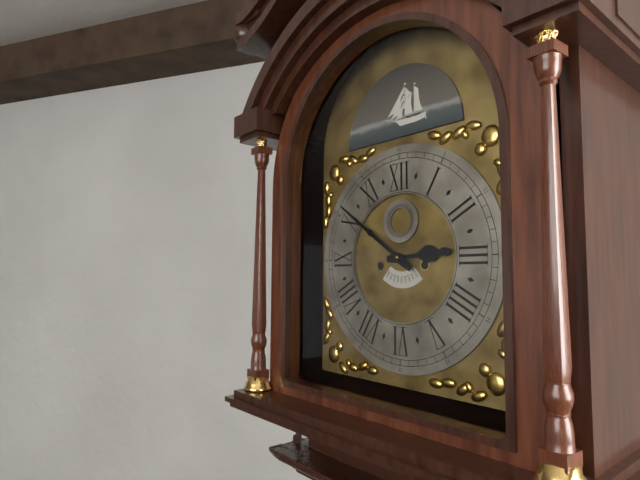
h=2 m=51
